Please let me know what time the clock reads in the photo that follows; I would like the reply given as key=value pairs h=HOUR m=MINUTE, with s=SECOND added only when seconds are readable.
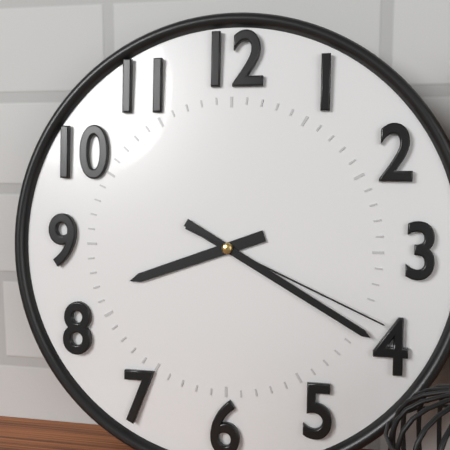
h=8 m=20 s=19
